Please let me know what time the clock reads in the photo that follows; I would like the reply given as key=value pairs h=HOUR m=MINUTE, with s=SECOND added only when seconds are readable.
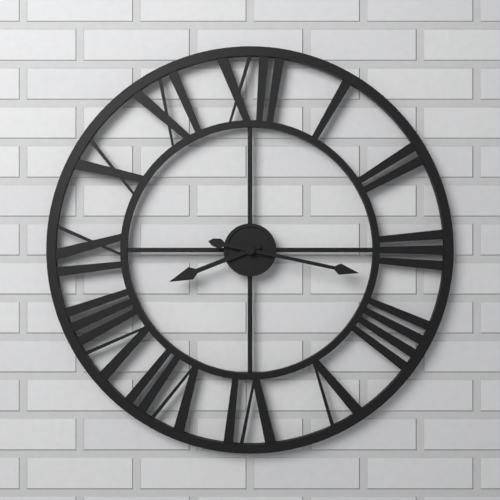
h=8 m=17
